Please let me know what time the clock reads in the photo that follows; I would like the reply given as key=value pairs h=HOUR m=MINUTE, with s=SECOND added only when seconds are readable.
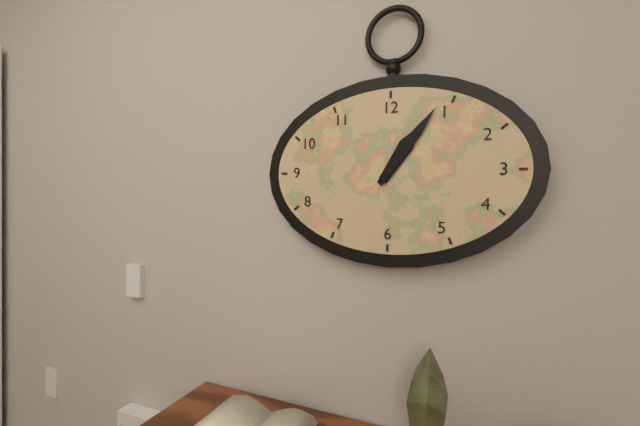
h=1 m=6
